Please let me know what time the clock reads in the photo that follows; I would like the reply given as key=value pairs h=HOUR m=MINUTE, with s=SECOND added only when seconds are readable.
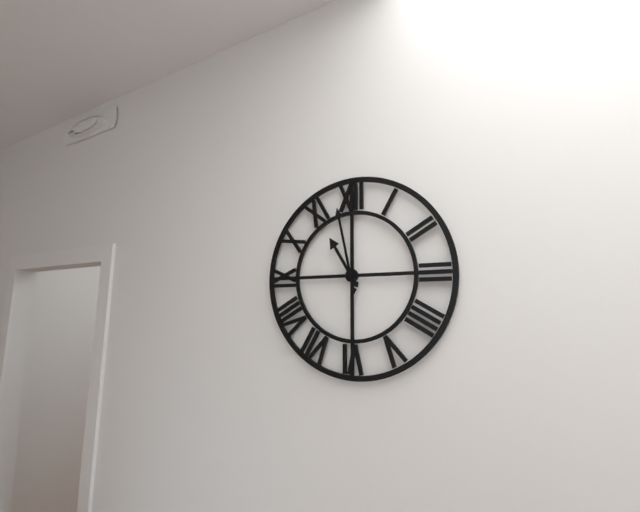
h=10 m=58
